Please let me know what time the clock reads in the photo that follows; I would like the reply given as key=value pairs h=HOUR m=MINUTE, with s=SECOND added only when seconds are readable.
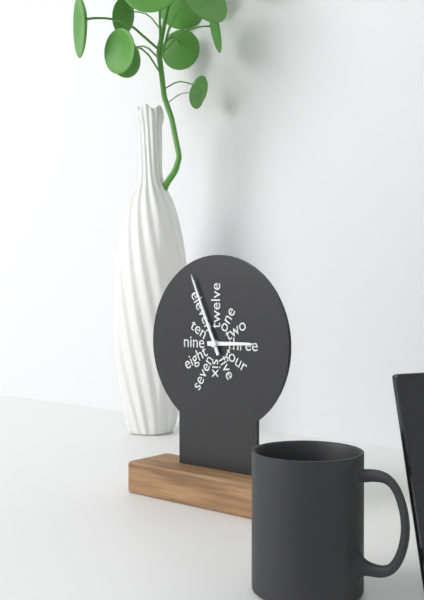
h=2 m=56
